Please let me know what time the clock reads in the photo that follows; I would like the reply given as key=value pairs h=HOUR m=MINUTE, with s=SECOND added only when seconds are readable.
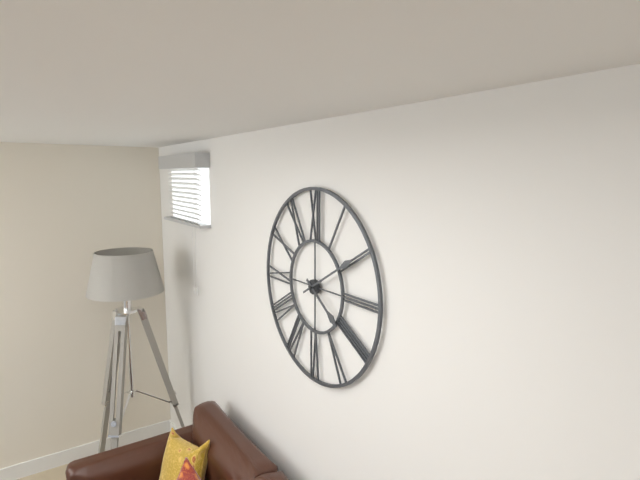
h=4 m=10
